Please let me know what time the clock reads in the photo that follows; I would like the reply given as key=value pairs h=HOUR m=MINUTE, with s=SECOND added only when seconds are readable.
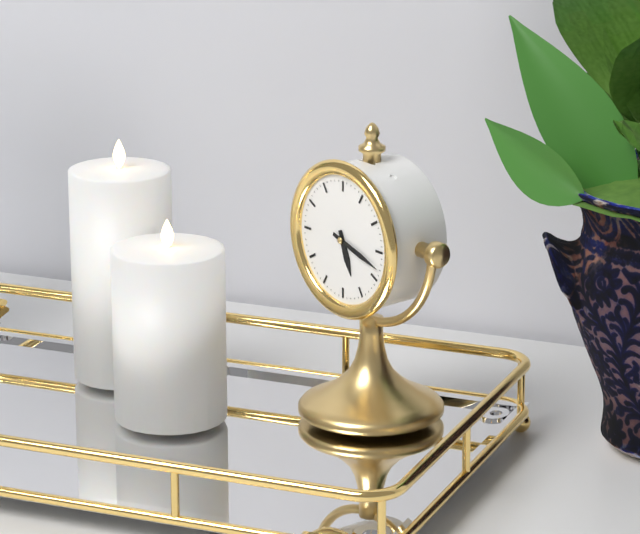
h=5 m=18
